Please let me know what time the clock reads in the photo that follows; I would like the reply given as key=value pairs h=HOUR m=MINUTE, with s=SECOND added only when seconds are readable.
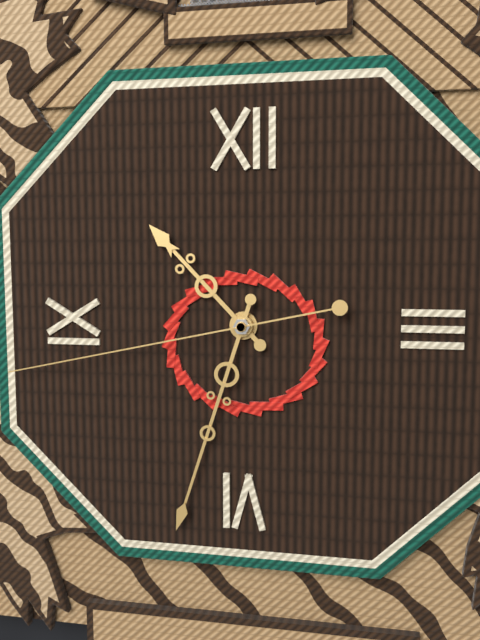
h=10 m=33 s=43
